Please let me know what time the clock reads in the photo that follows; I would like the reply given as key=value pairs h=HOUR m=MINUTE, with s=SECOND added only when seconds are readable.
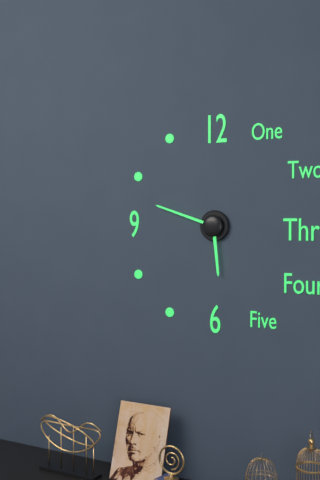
h=5 m=48
